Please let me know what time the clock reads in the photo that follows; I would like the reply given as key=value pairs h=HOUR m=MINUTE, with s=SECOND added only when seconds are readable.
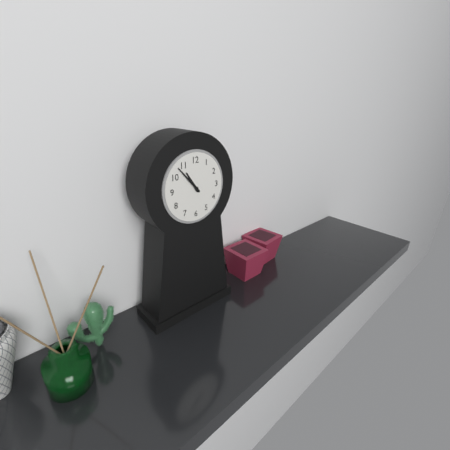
h=10 m=53
